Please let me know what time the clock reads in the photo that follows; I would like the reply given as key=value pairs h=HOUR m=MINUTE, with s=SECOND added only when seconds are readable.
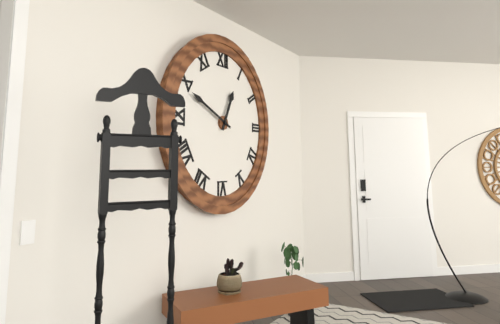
h=12 m=49
